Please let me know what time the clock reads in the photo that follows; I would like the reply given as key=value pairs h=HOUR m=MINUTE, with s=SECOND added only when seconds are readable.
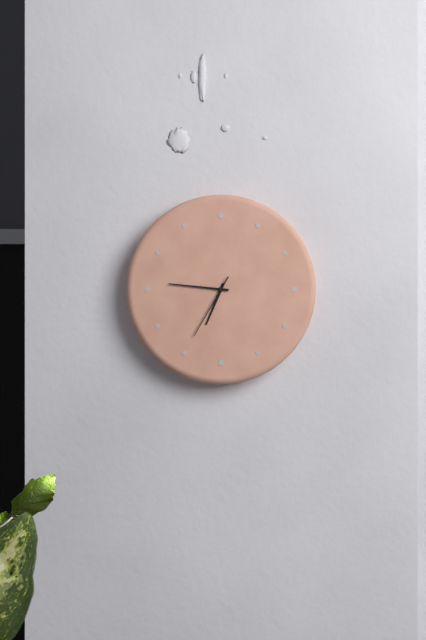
h=6 m=46 s=35
